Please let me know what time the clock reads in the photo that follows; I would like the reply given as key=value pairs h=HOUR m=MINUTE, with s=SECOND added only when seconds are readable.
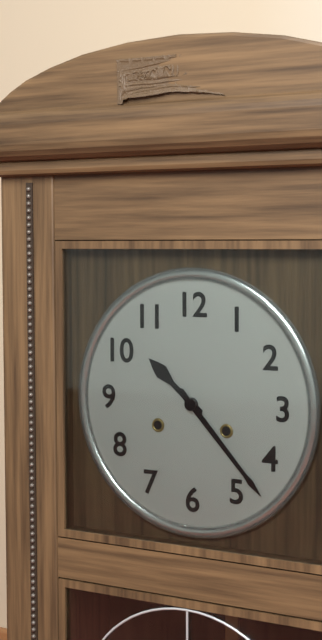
h=10 m=23
